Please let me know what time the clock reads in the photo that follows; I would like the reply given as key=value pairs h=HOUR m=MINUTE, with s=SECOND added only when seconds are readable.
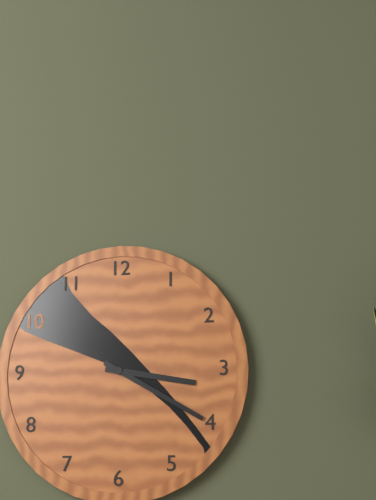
h=3 m=20
